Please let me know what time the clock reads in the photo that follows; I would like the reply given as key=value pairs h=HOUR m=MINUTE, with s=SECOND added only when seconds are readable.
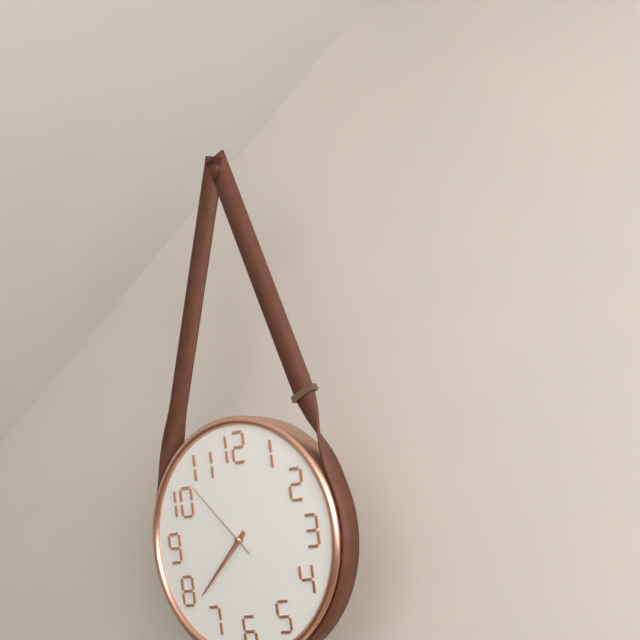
h=7 m=38 s=53
